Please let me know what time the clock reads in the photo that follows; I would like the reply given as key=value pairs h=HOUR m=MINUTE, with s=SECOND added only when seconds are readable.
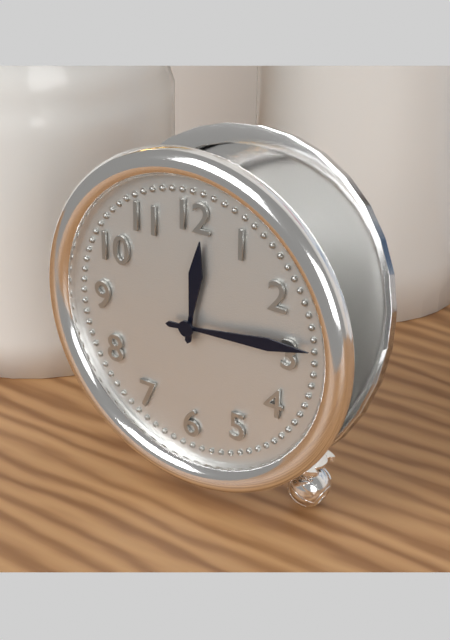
h=12 m=14
